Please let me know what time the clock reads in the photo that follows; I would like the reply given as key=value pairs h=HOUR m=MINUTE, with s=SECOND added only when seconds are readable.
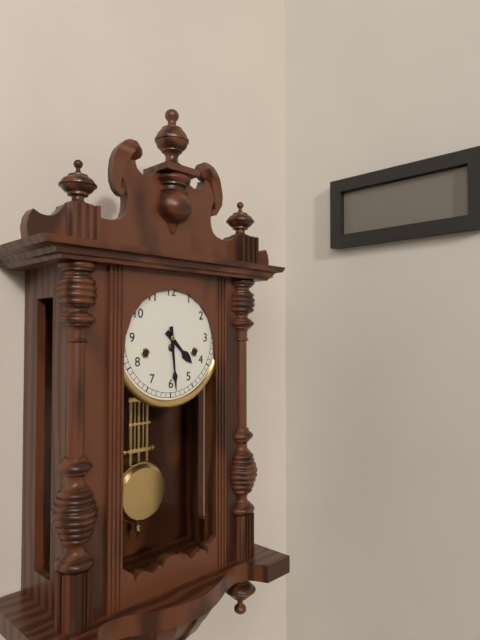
h=4 m=29
